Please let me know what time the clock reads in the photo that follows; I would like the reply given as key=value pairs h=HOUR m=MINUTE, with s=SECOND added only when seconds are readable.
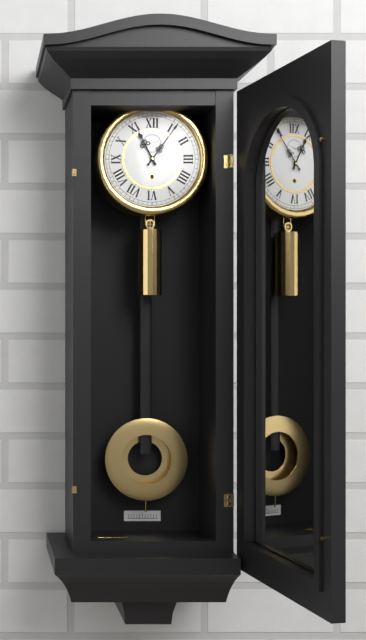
h=11 m=6
